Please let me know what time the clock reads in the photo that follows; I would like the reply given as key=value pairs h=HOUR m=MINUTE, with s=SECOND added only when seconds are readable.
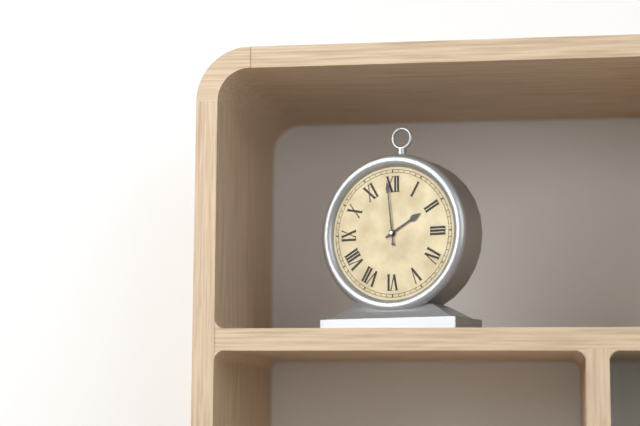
h=1 m=59
